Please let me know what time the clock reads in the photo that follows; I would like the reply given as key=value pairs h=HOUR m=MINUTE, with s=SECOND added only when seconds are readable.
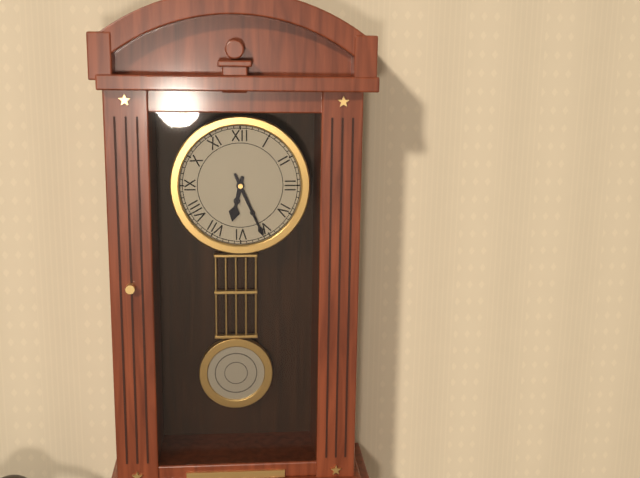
h=6 m=26
